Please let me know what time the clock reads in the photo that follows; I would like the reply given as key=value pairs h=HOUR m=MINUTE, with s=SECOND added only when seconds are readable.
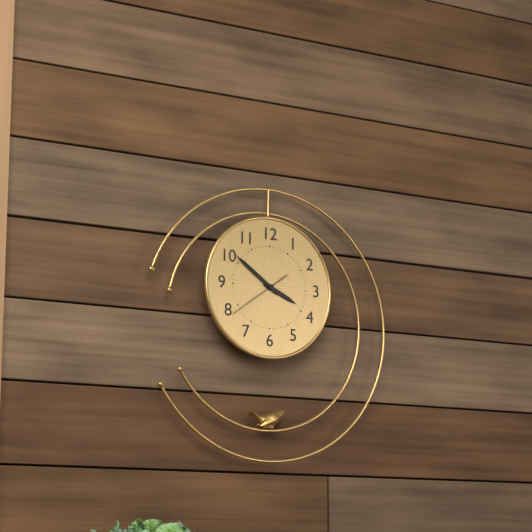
h=3 m=51 s=39
